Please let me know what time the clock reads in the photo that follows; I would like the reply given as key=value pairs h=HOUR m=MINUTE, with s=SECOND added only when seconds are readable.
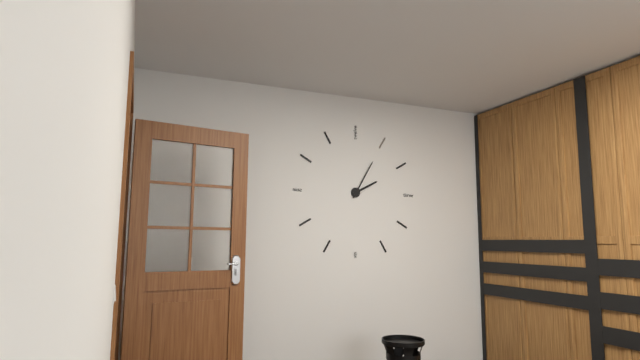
h=2 m=5
